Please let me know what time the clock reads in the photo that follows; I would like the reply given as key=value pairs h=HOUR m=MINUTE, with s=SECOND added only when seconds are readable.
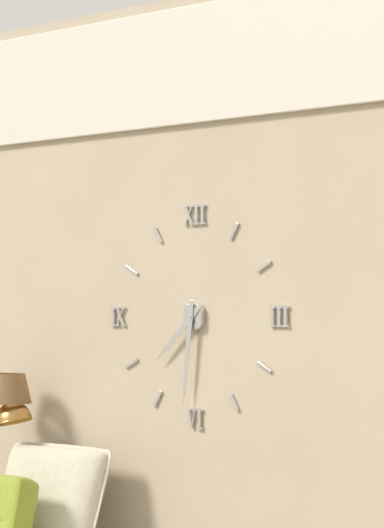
h=7 m=31
